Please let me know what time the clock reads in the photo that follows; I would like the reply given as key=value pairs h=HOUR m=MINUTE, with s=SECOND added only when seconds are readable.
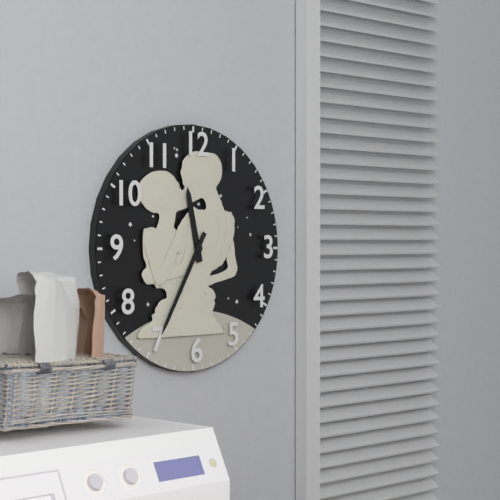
h=11 m=35
